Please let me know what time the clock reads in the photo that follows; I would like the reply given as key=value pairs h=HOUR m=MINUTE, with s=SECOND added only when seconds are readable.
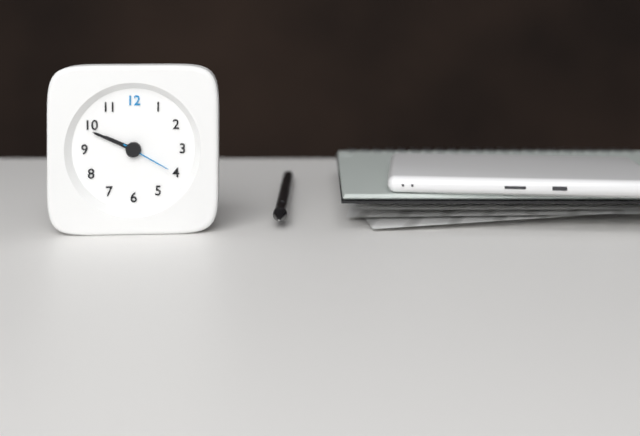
h=9 m=49 s=20
